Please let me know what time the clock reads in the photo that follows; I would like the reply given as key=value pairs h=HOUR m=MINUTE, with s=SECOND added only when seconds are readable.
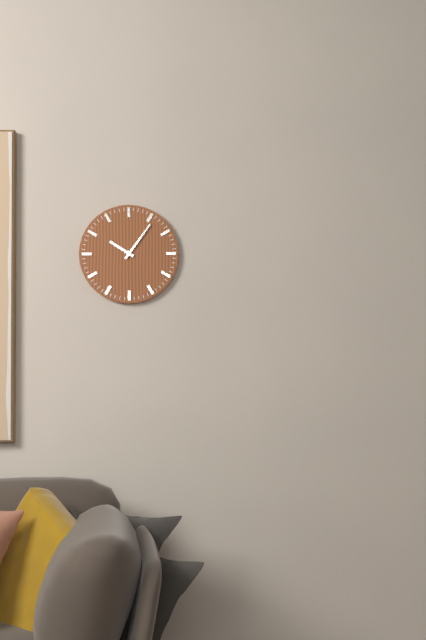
h=10 m=6
